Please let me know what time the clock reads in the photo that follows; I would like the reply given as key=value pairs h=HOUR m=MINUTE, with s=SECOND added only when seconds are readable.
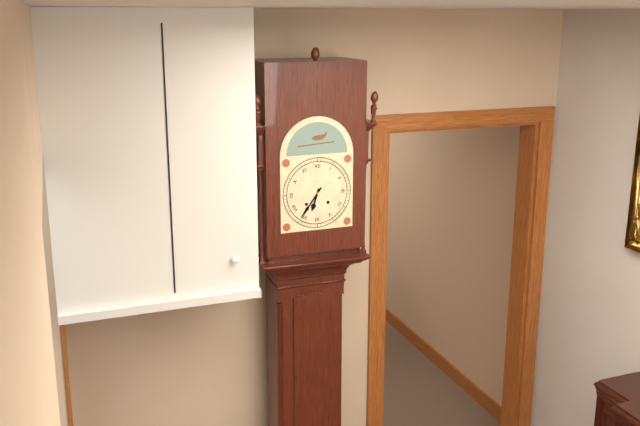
h=6 m=36
